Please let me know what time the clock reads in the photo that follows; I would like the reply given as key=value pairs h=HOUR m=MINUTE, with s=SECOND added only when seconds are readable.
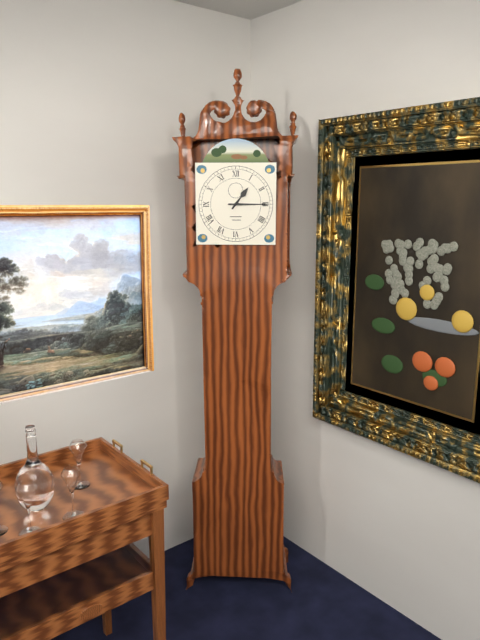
h=1 m=15
